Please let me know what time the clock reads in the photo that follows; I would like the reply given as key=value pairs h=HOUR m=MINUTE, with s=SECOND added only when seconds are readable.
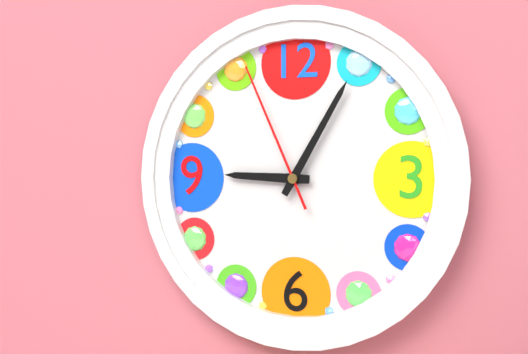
h=9 m=5 s=56
